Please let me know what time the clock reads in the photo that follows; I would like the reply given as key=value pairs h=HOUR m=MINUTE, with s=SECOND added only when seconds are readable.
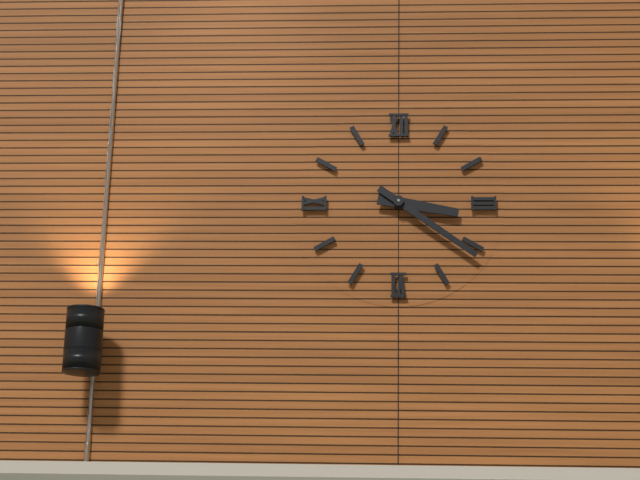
h=3 m=21
